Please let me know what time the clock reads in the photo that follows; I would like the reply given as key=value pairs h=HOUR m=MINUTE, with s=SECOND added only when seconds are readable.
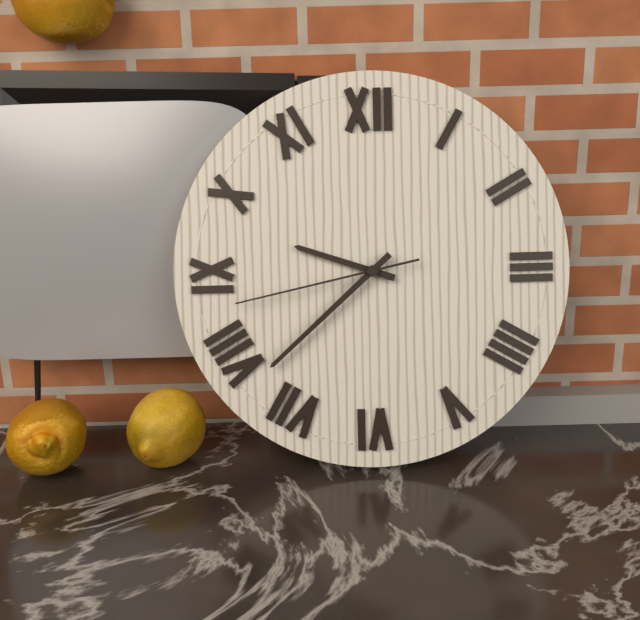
h=9 m=38 s=43
